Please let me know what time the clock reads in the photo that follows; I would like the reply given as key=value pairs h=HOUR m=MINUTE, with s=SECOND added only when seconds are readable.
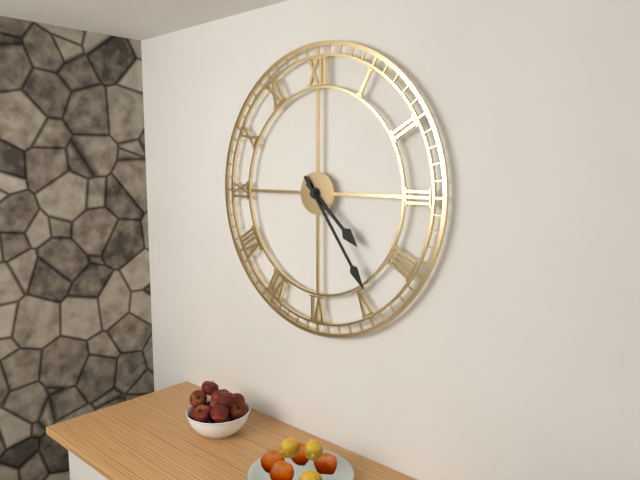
h=4 m=24
